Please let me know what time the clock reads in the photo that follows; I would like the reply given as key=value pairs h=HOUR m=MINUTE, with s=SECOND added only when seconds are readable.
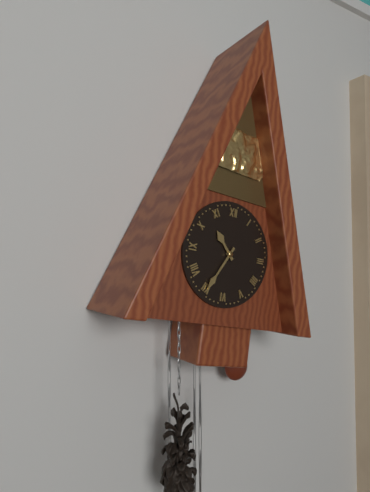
h=10 m=35
